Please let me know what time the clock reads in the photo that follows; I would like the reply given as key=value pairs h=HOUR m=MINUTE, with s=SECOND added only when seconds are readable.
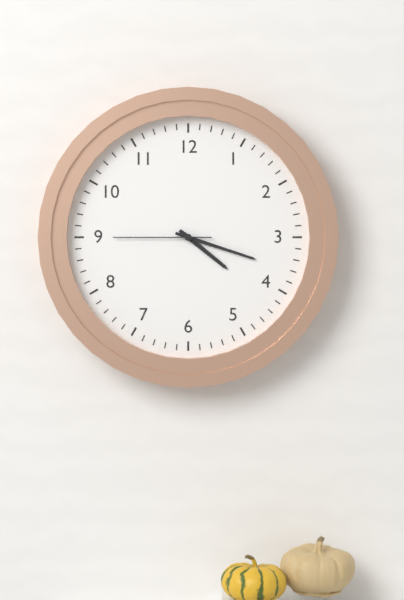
h=4 m=18 s=45
